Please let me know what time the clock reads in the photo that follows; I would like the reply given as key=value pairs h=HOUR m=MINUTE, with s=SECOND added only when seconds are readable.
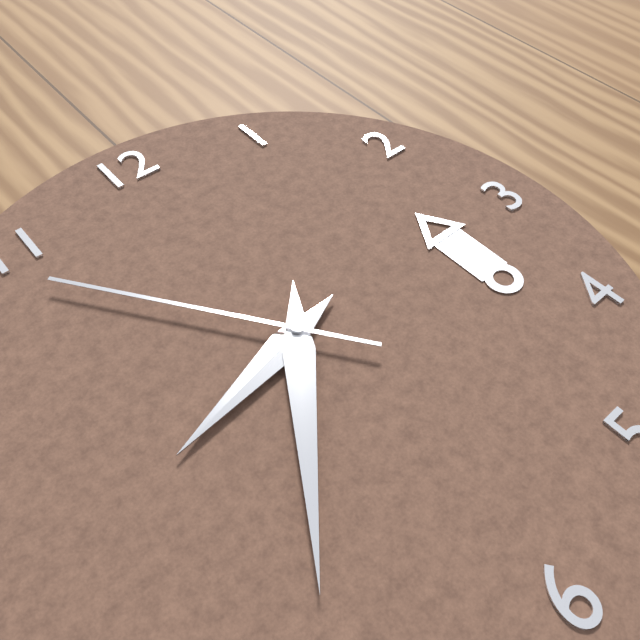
h=8 m=36 s=54
